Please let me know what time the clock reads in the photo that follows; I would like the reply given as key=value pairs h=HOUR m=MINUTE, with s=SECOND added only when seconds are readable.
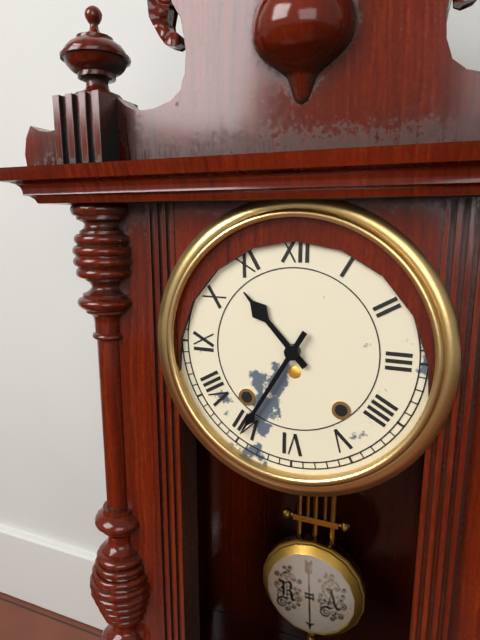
h=10 m=35
